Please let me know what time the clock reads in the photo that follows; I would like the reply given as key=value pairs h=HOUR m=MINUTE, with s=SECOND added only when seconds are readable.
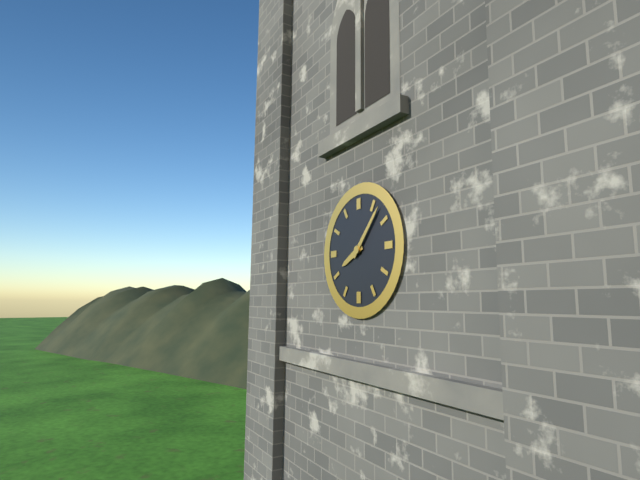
h=8 m=7
